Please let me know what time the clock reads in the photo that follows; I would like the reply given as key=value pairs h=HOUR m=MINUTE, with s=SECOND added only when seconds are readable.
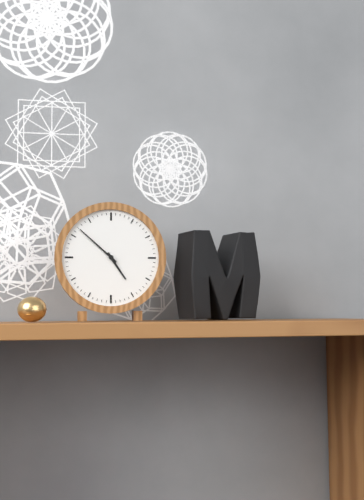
h=4 m=52
